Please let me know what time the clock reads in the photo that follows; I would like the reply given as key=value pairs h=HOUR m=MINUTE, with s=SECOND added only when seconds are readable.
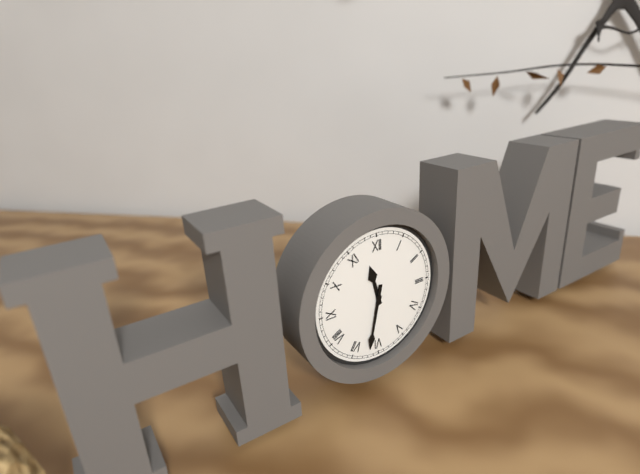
h=11 m=32
